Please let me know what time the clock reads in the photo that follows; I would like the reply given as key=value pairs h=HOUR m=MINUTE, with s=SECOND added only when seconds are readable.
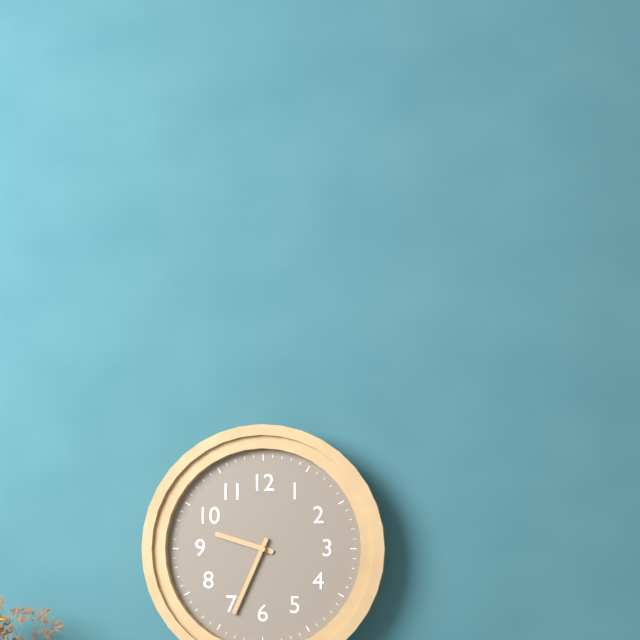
h=9 m=34
